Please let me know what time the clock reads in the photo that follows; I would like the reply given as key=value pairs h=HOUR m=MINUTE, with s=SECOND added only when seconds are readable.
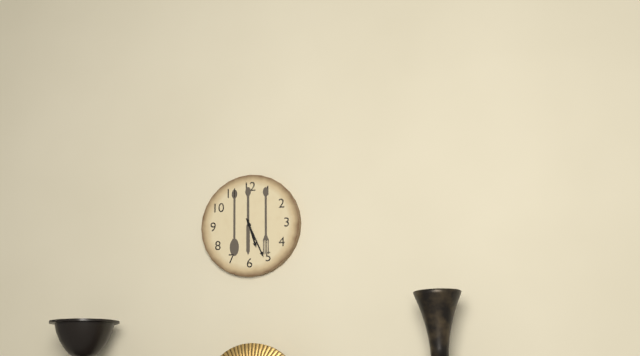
h=5 m=26
